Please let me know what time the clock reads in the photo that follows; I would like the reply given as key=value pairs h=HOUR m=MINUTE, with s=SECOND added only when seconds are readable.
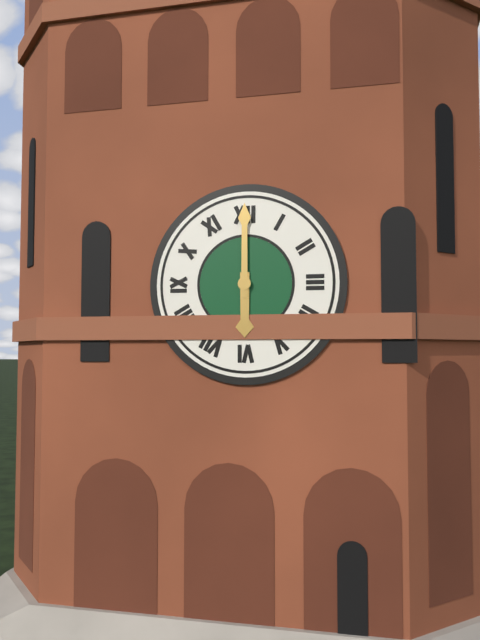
h=6 m=0
